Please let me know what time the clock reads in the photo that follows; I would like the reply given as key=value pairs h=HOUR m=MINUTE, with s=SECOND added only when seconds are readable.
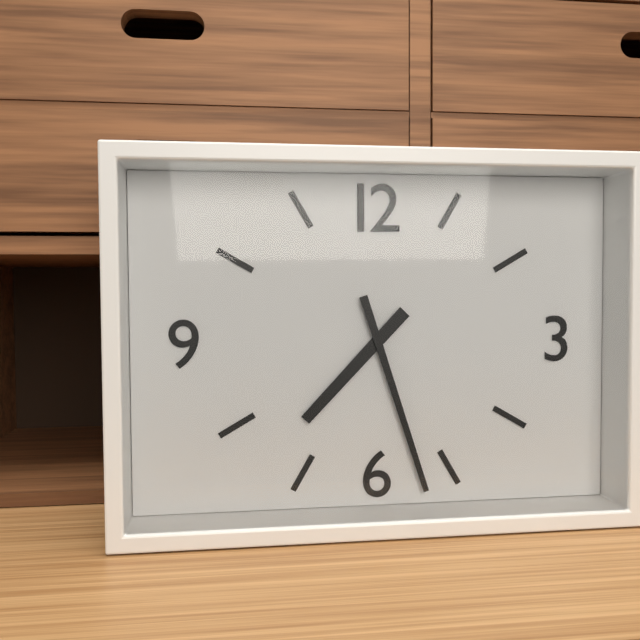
h=7 m=27
